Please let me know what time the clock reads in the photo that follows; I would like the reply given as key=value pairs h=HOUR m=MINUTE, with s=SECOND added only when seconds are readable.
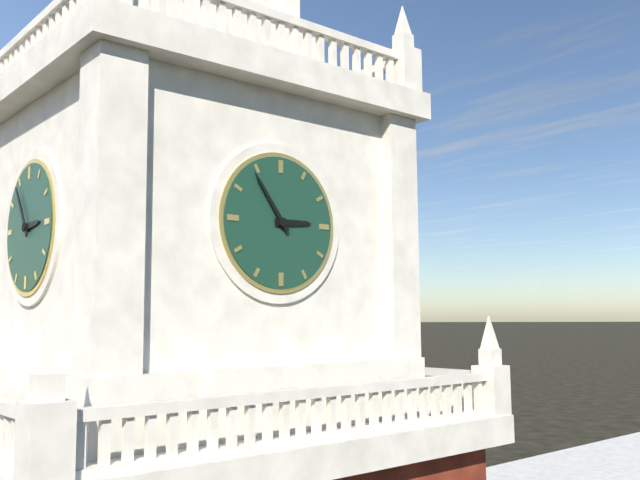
h=2 m=54
